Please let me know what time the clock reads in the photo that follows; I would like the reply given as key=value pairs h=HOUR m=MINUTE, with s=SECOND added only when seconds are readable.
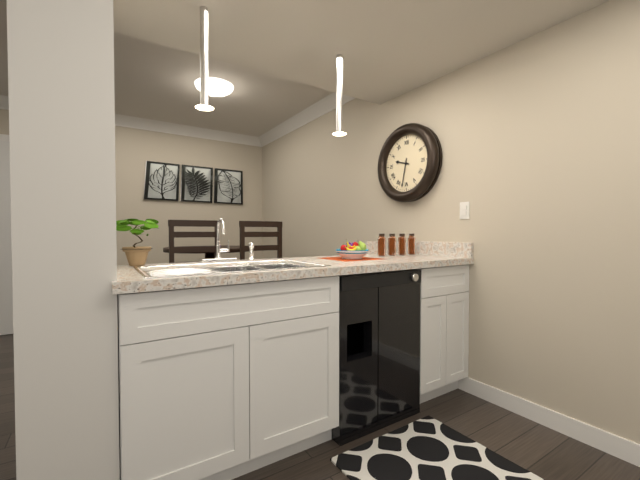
h=9 m=32
